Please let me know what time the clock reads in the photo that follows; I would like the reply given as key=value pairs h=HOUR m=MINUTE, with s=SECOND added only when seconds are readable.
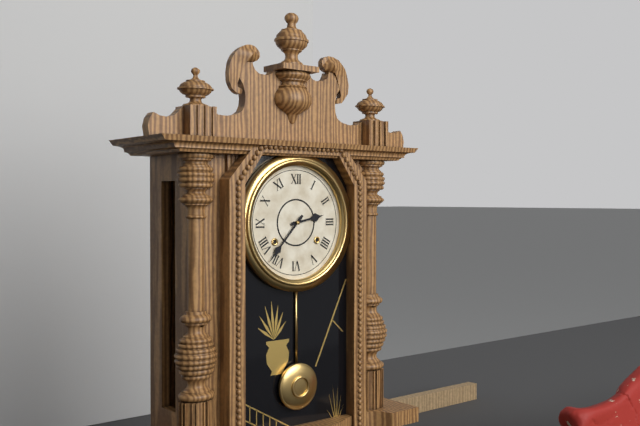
h=2 m=37
